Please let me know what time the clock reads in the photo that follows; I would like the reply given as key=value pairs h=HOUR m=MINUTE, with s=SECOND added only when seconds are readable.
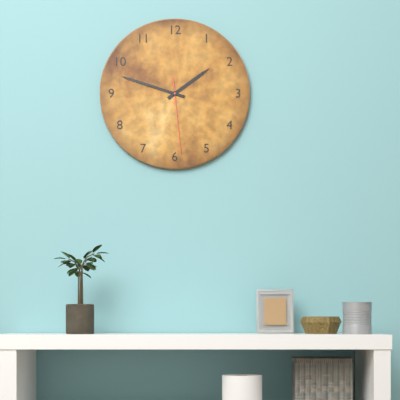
h=1 m=48 s=29
